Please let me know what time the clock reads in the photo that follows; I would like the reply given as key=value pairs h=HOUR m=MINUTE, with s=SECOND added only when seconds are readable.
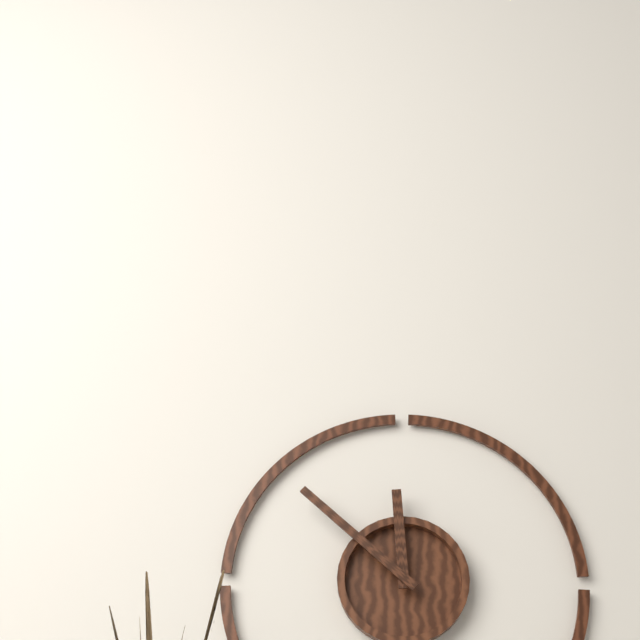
h=11 m=52
